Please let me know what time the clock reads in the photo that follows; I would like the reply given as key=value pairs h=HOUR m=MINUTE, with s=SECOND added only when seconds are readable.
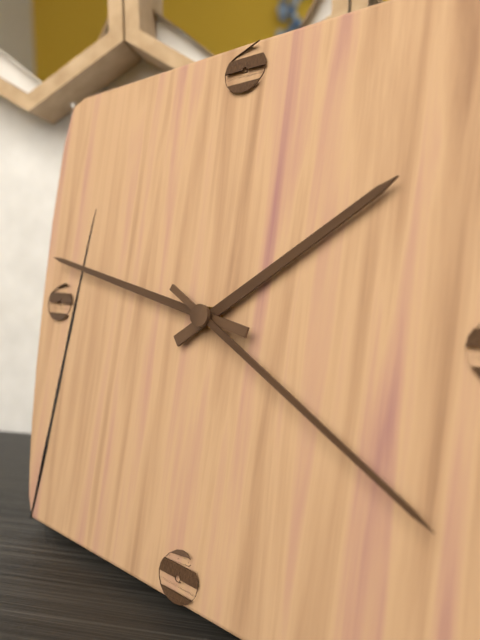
h=1 m=47 s=20
